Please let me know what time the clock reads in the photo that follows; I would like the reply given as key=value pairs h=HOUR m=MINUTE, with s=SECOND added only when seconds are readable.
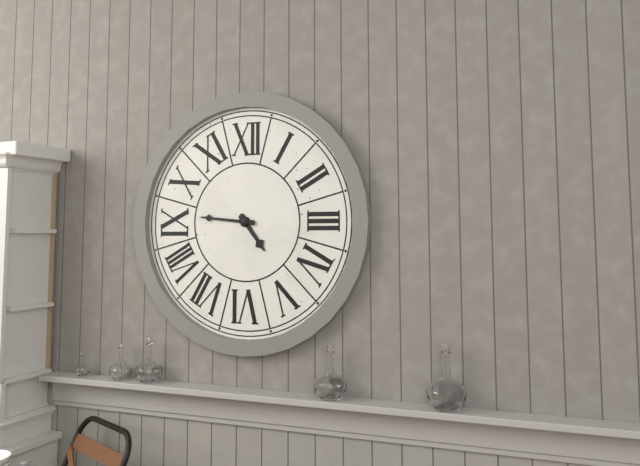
h=4 m=46
